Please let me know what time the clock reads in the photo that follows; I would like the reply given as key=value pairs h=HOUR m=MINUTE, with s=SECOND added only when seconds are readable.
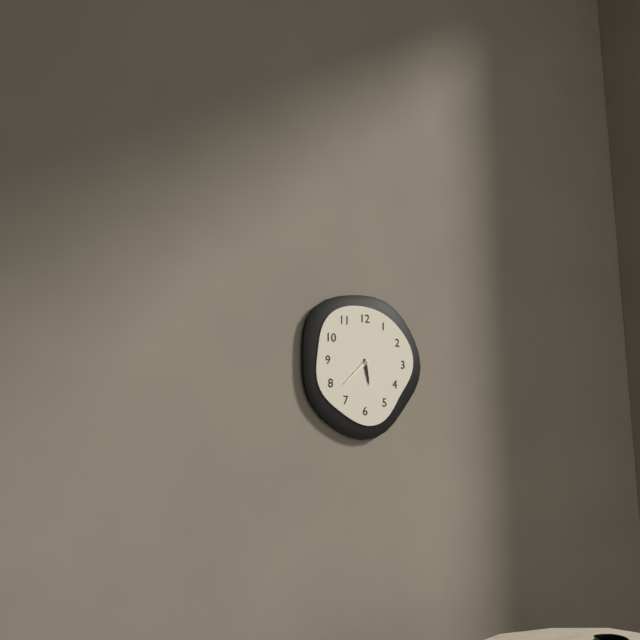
h=5 m=38
